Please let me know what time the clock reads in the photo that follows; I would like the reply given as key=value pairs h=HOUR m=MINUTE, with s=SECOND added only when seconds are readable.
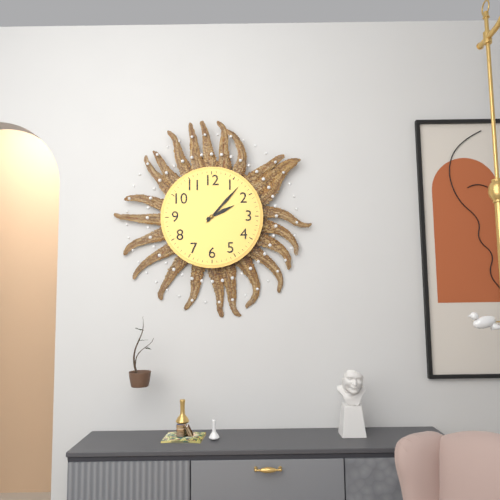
h=2 m=7
